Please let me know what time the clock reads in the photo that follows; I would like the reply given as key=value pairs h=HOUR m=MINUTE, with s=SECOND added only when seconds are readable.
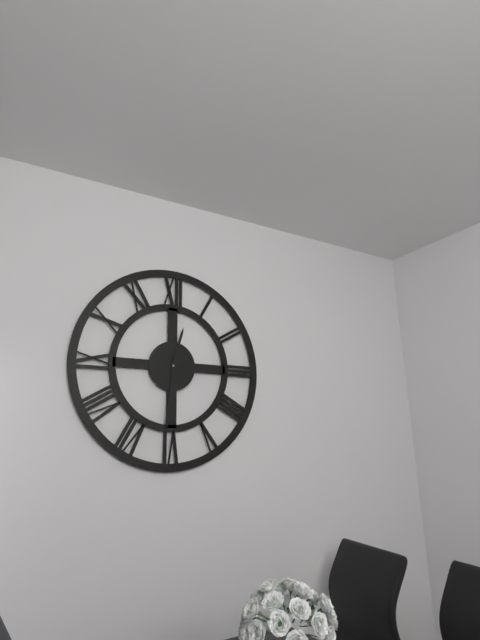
h=12 m=31
